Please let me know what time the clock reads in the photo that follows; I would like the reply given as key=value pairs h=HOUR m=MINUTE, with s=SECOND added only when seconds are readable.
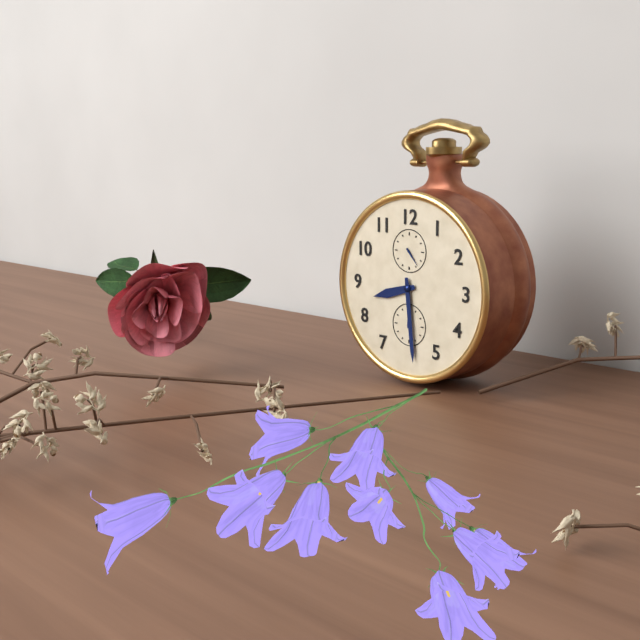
h=8 m=29
